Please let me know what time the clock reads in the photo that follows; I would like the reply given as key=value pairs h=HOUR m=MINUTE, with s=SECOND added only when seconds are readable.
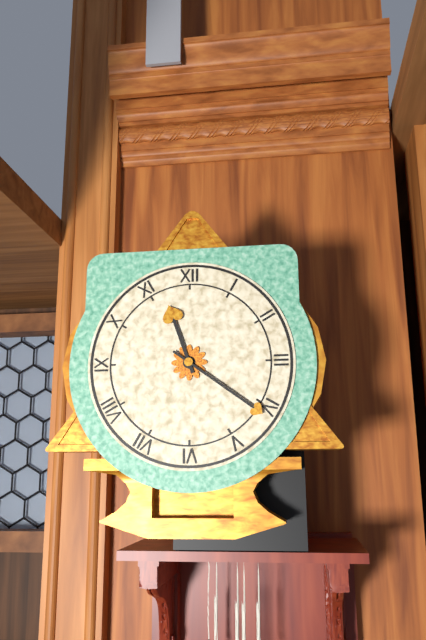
h=11 m=21
